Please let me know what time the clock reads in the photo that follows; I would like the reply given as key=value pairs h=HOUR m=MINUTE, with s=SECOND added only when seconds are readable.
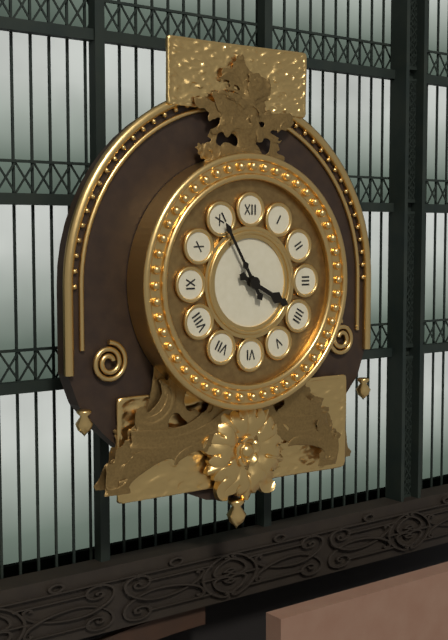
h=3 m=55
